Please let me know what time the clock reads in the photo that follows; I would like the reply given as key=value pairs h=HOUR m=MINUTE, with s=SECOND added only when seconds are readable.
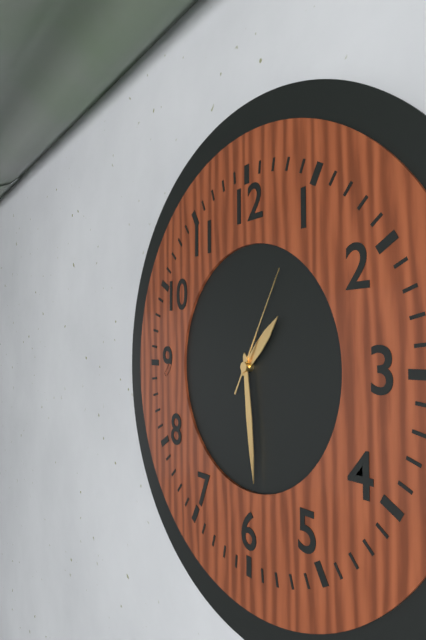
h=1 m=29 s=5
